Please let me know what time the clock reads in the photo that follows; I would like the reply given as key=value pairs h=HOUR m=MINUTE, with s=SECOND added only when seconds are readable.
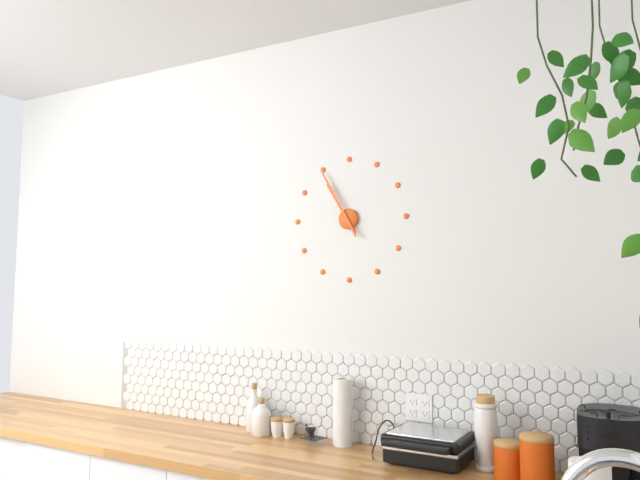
h=10 m=55
